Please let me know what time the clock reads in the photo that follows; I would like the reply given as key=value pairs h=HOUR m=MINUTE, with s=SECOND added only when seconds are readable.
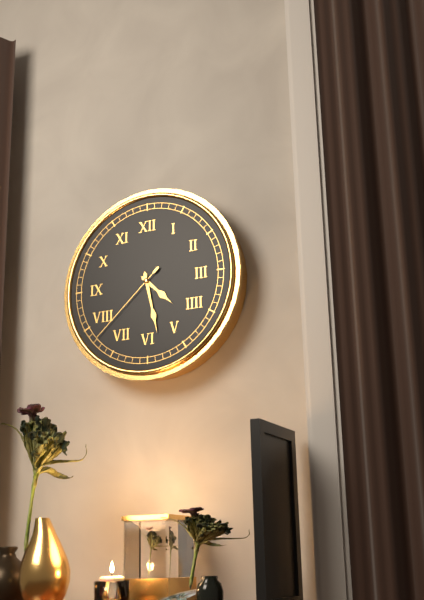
h=4 m=28 s=38
